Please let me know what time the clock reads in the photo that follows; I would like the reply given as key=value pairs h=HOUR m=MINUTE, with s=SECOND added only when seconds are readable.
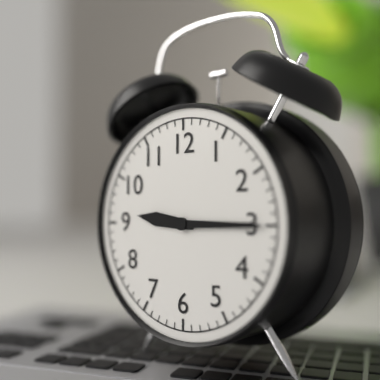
h=9 m=15
